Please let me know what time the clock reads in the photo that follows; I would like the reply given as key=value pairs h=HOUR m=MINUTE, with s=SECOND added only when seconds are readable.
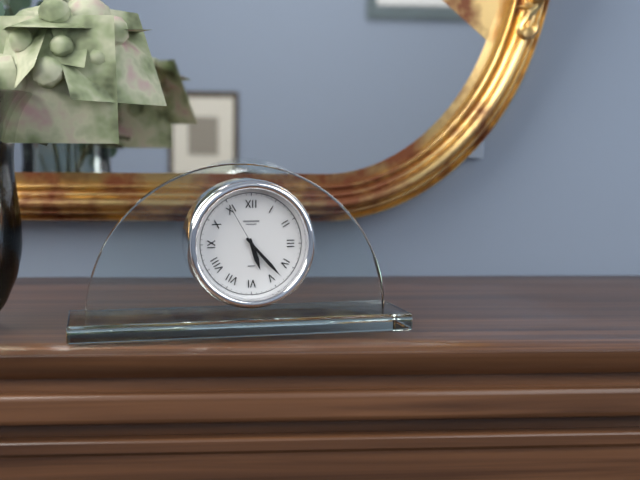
h=5 m=23 s=55
